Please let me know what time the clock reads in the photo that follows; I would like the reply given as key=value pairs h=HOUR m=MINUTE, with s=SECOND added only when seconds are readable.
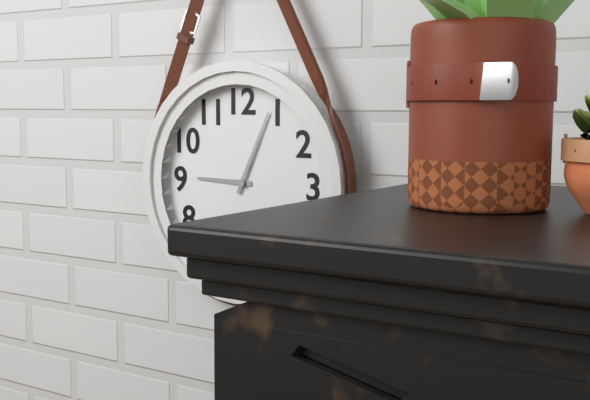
h=9 m=4
